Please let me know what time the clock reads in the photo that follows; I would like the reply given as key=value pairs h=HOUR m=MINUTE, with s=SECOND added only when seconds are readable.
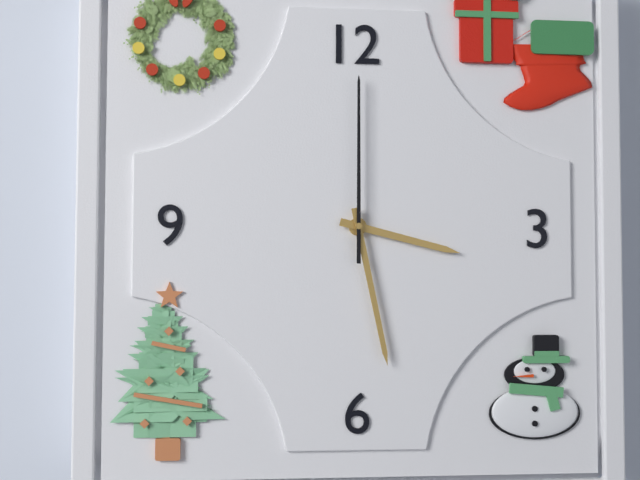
h=3 m=28 s=0
